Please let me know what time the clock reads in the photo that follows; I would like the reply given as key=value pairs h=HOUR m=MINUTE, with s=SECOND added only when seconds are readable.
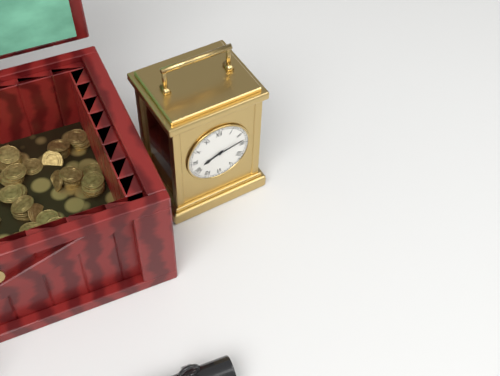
h=8 m=13
